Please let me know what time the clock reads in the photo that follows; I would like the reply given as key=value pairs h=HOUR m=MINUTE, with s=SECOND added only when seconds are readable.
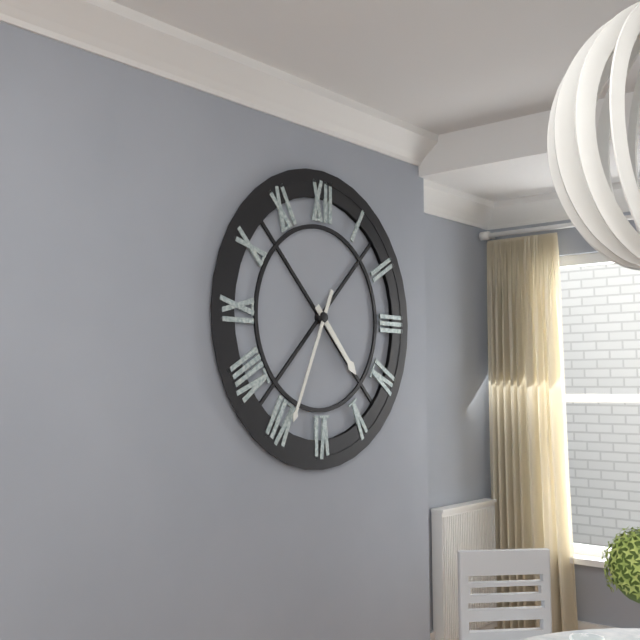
h=4 m=34
